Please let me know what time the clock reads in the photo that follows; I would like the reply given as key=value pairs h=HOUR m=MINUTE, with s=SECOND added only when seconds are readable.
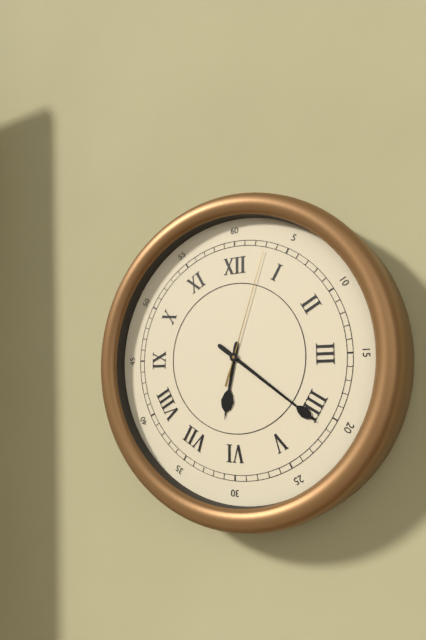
h=6 m=21 s=3
